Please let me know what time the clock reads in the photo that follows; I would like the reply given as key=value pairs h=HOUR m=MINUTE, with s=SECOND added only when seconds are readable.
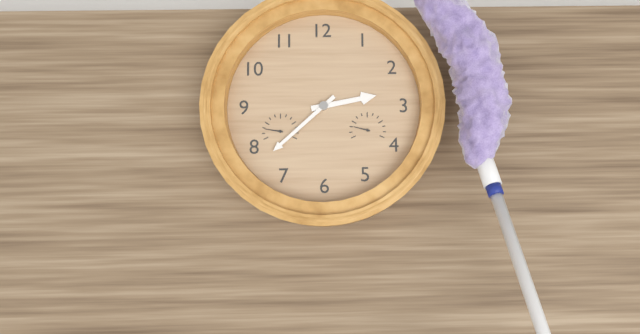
h=2 m=38
